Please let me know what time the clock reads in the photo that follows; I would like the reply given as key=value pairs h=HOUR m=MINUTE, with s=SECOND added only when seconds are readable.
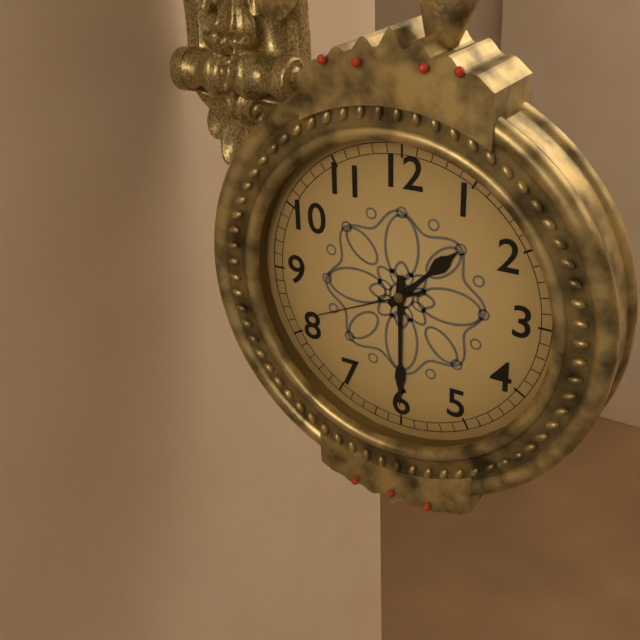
h=1 m=30 s=41
